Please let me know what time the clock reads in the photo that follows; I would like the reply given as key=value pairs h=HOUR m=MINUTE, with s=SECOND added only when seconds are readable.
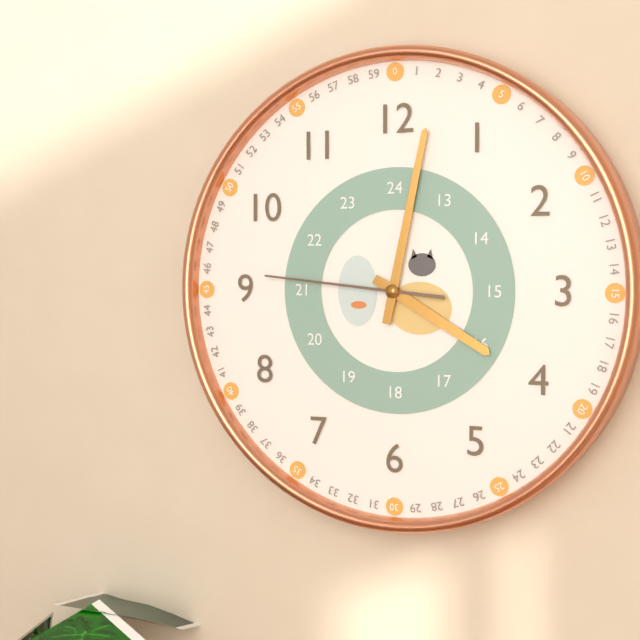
h=4 m=2 s=46
